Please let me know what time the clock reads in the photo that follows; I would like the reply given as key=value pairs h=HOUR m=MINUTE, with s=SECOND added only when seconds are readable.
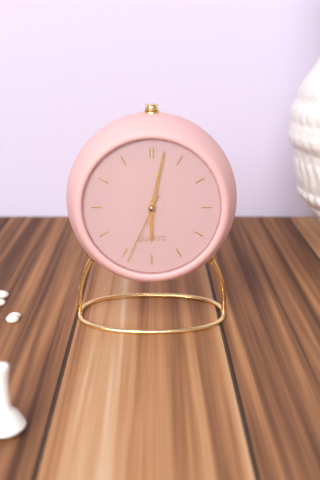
h=6 m=2 s=34
